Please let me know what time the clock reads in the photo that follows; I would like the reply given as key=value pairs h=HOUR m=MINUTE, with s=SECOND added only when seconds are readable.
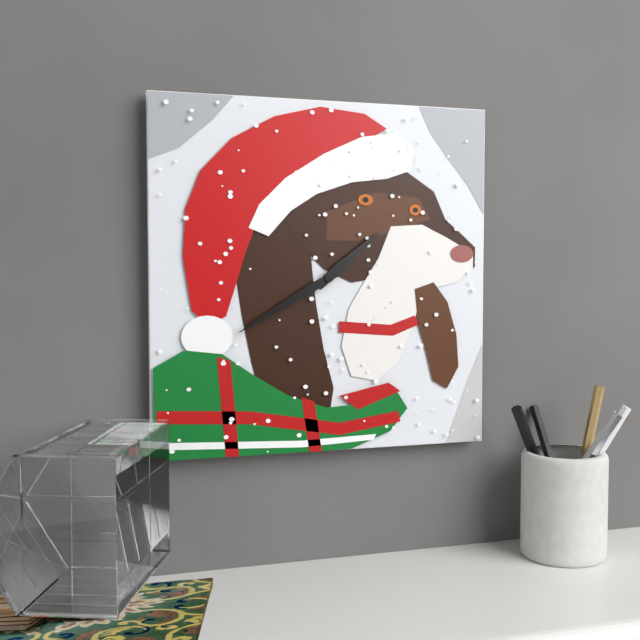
h=1 m=40
